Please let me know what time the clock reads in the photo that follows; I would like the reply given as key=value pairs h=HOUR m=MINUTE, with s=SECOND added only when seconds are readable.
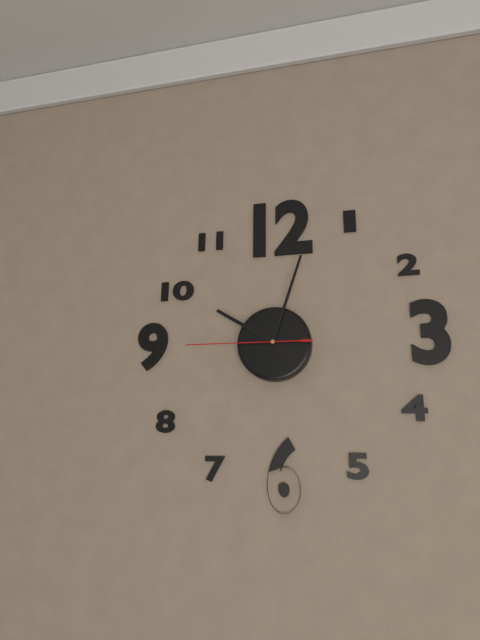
h=10 m=3 s=45
